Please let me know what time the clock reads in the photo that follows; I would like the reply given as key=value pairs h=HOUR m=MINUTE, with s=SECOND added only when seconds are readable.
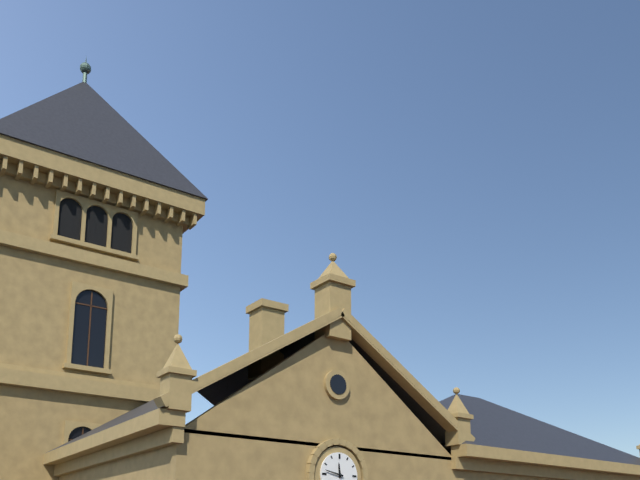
h=11 m=47
